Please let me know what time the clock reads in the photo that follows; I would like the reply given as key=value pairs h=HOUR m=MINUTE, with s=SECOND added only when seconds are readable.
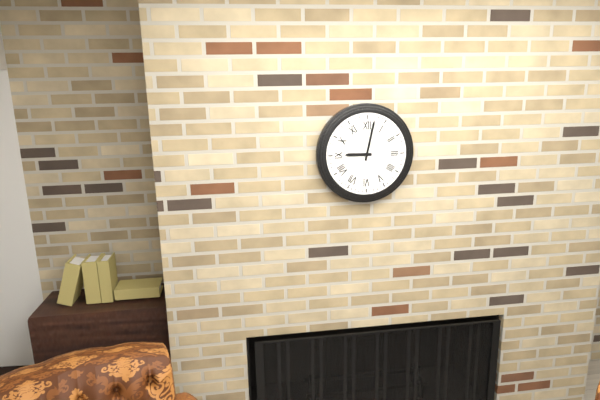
h=9 m=2
